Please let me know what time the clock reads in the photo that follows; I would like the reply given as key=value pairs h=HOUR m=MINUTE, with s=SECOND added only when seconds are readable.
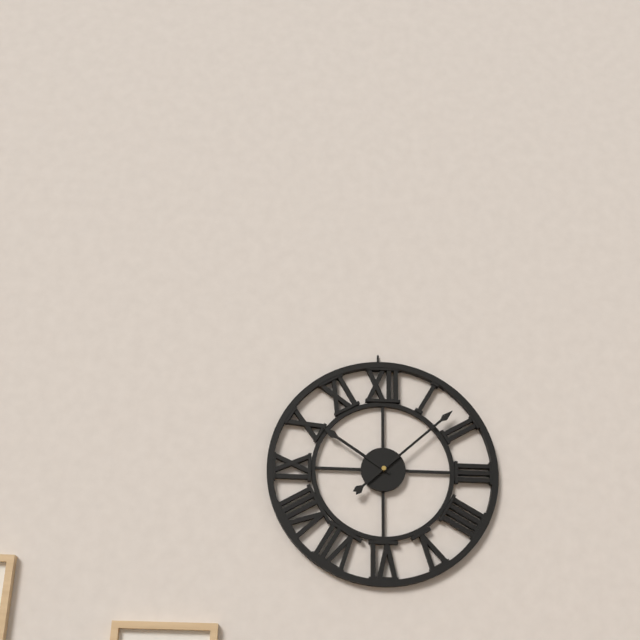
h=10 m=8
